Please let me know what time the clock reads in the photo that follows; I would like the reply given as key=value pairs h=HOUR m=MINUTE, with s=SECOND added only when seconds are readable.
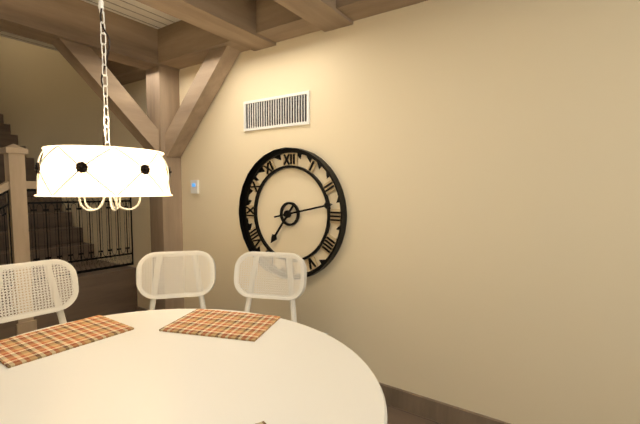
h=7 m=13
